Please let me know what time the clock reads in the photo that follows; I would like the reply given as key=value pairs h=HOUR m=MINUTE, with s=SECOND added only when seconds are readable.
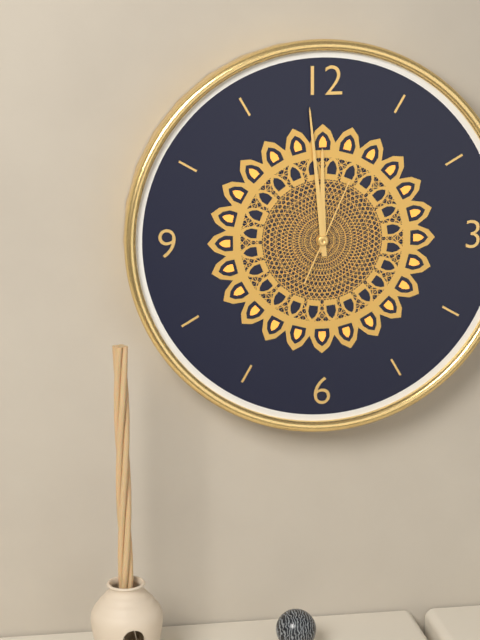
h=11 m=59 s=4
